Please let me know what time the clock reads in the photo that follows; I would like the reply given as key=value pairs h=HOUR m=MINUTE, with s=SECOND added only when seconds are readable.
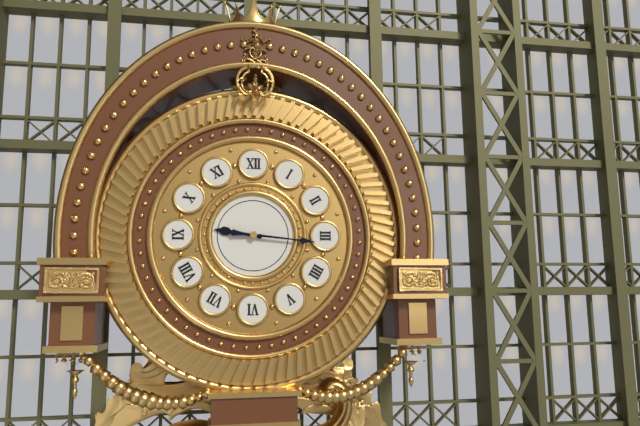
h=9 m=16
